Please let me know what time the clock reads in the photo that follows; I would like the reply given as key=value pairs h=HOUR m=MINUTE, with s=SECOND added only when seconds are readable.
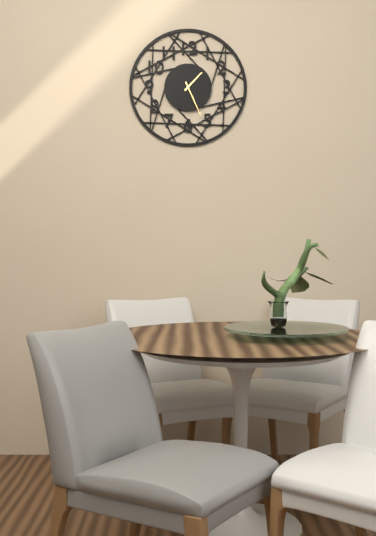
h=1 m=26
